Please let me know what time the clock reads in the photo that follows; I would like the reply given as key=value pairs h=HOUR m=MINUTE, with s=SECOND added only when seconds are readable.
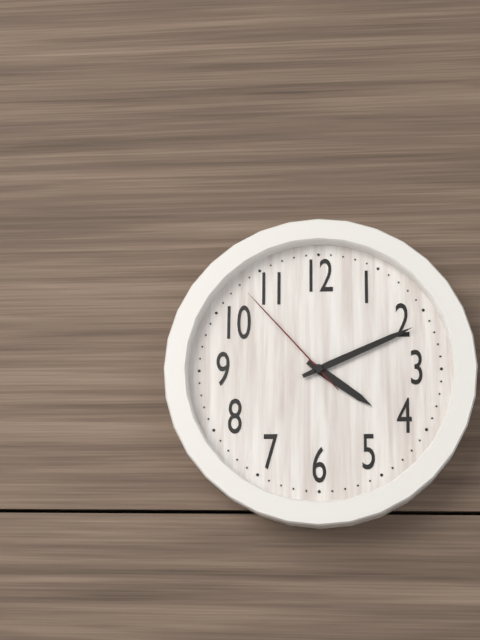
h=4 m=11 s=53
